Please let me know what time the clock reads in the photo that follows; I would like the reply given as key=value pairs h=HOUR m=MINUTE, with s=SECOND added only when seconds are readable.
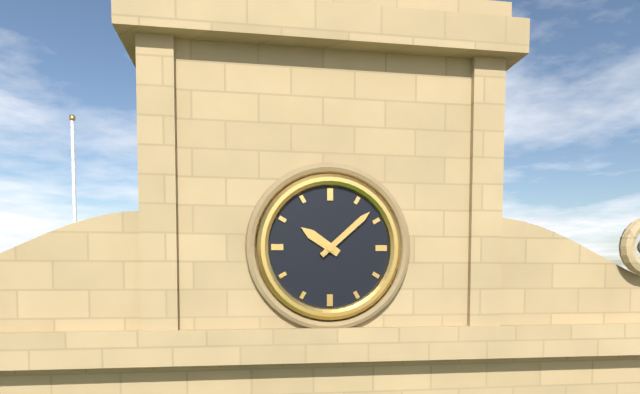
h=10 m=8
